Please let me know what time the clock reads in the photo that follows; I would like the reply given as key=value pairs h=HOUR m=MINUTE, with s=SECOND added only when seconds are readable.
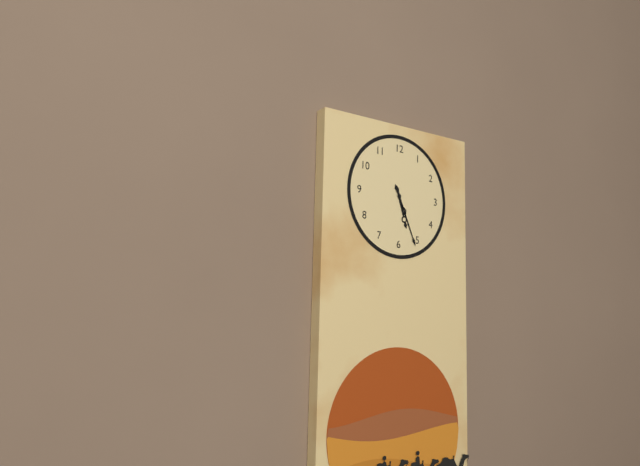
h=5 m=26
